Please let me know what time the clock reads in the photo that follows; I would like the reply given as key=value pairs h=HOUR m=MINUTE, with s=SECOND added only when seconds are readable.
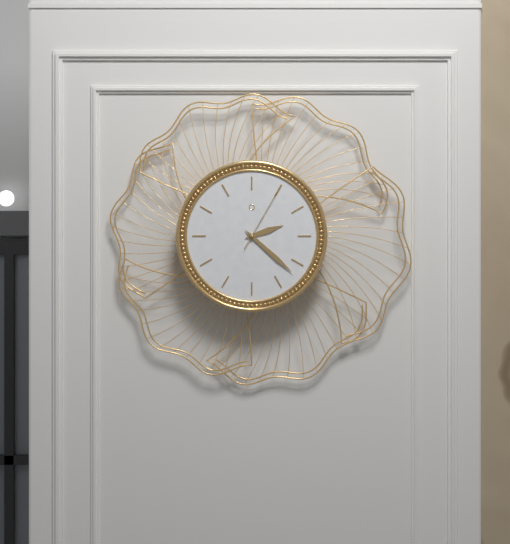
h=2 m=22 s=5
